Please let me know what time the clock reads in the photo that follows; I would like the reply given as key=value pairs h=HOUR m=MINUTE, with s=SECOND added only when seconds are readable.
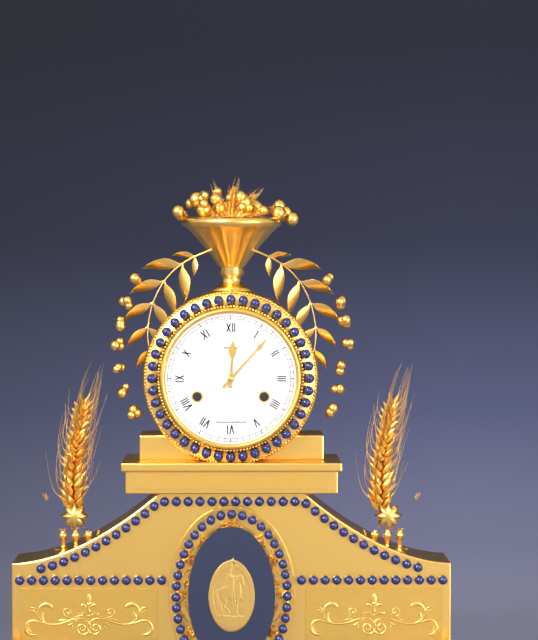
h=12 m=7
